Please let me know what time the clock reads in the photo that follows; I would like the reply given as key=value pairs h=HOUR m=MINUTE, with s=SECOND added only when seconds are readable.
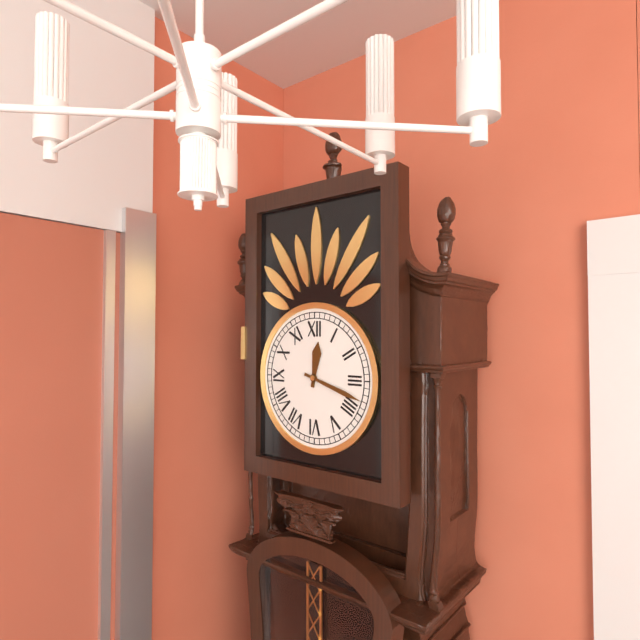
h=12 m=18
